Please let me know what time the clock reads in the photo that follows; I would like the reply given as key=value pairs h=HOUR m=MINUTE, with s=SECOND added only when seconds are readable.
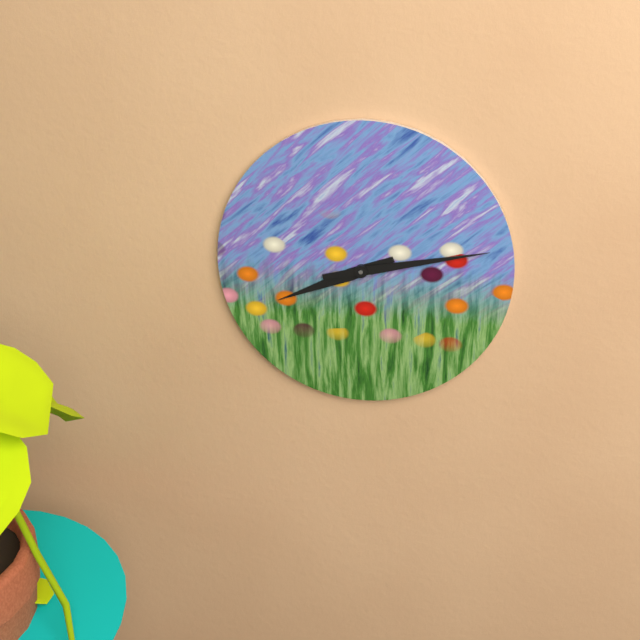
h=8 m=13
